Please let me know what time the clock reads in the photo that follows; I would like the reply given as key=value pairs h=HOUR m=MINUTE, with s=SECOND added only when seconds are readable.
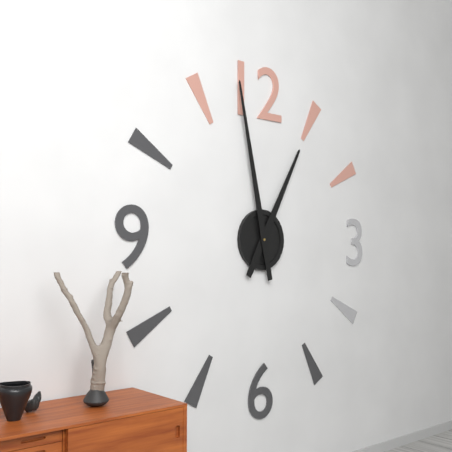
h=12 m=58
